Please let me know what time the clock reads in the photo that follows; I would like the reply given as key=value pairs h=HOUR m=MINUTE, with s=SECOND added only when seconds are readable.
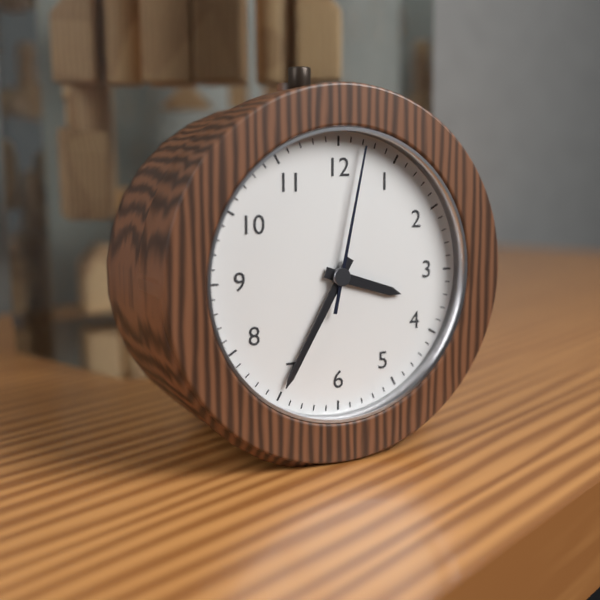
h=3 m=35 s=2
